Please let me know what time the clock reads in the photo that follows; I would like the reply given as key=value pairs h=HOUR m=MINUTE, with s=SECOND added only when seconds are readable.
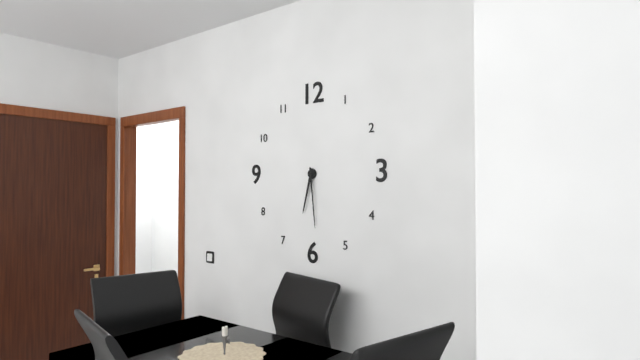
h=6 m=29
